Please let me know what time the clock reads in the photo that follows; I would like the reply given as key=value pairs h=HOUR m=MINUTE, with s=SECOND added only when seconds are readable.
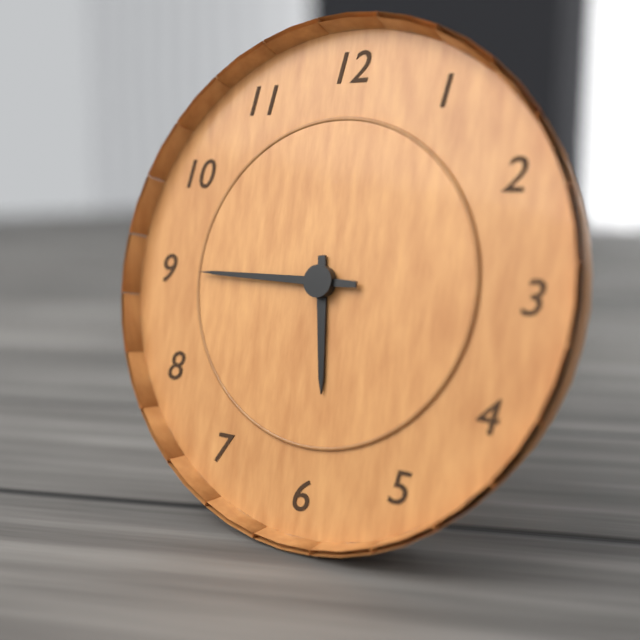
h=5 m=45
